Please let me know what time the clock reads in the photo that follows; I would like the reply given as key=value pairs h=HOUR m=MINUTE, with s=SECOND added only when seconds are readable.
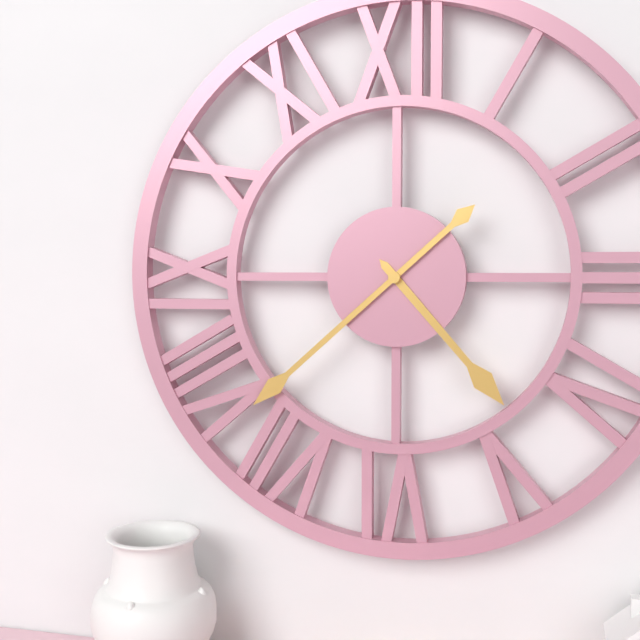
h=4 m=38
